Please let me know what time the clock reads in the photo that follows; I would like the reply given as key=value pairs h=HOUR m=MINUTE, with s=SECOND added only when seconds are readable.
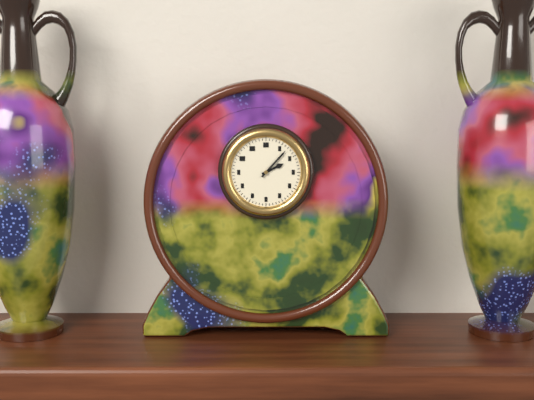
h=2 m=7
